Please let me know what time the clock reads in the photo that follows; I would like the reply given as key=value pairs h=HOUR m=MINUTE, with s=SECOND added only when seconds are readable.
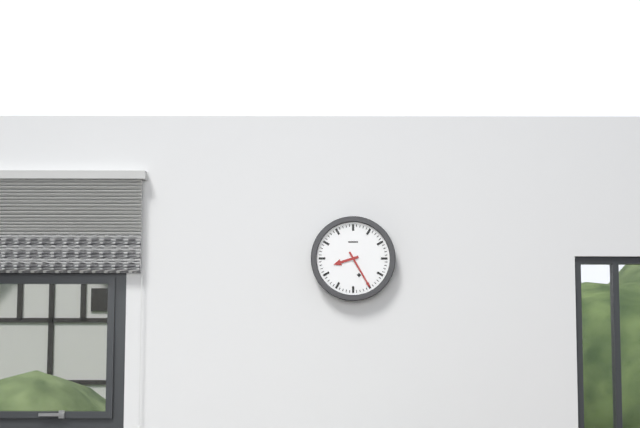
h=8 m=25
